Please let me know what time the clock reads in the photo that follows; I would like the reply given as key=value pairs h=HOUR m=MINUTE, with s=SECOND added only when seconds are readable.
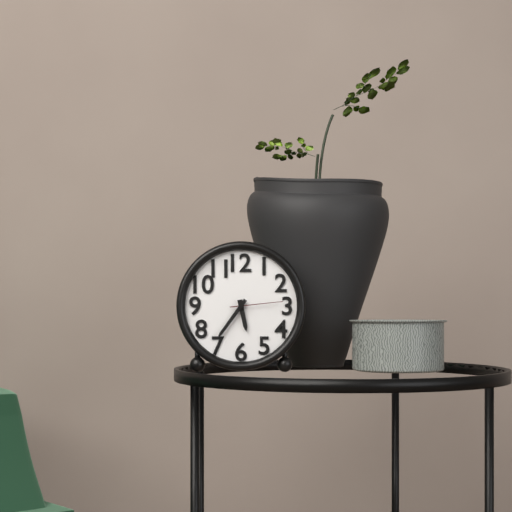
h=5 m=36 s=14
